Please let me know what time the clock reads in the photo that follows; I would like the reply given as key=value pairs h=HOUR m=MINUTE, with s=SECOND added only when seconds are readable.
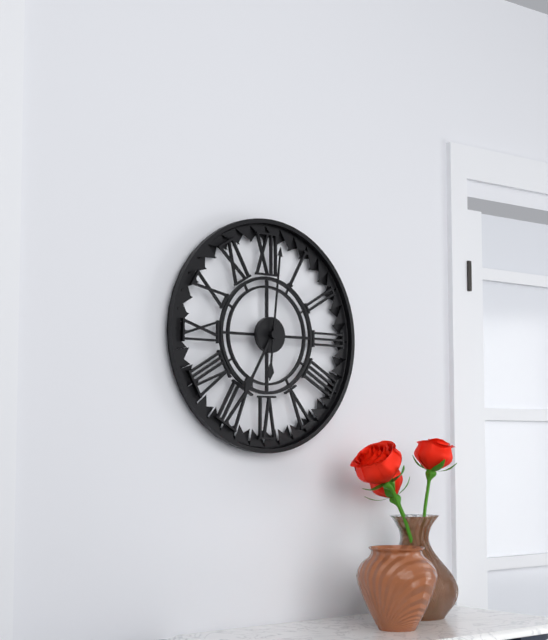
h=7 m=1
